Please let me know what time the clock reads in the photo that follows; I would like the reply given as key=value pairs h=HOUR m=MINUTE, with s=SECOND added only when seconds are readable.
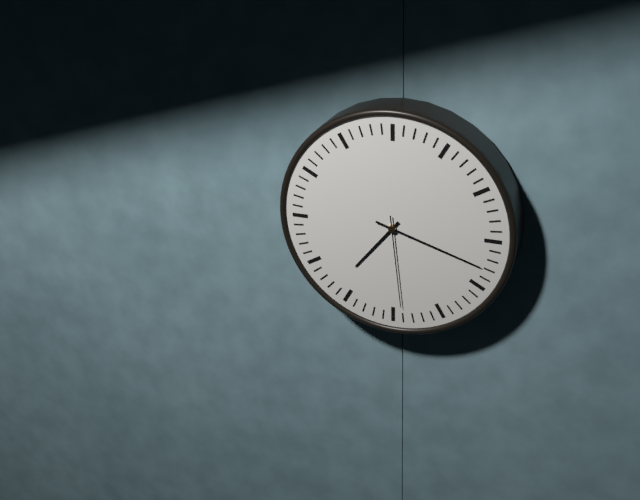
h=7 m=18 s=29
